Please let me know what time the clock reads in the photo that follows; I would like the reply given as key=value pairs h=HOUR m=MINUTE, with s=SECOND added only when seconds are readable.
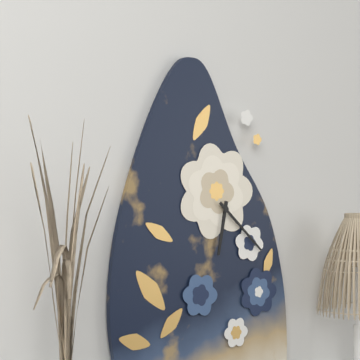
h=6 m=22
